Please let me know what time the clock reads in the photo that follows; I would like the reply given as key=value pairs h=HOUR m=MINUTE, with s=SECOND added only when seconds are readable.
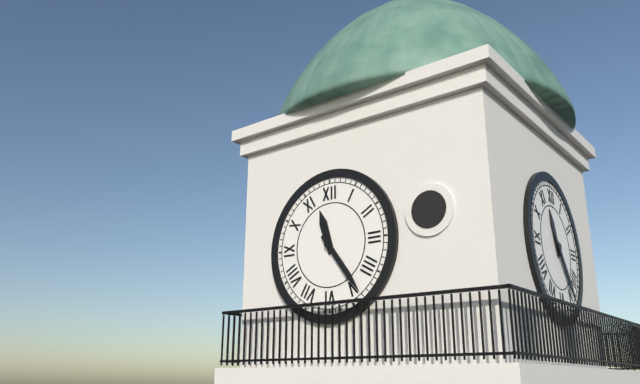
h=11 m=24
